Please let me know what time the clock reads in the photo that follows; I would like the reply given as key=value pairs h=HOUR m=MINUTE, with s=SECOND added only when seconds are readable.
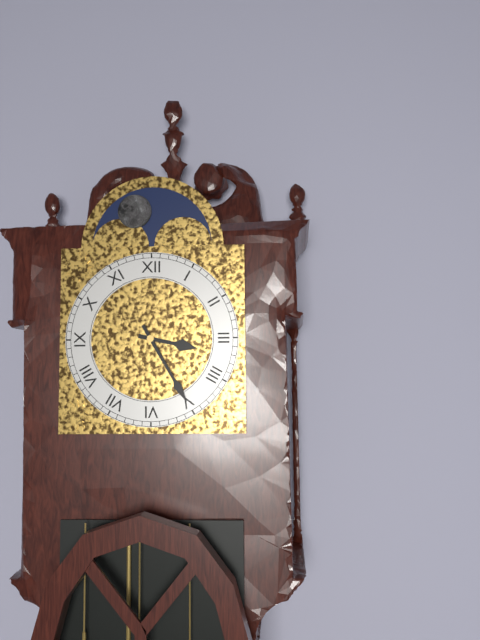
h=3 m=25
